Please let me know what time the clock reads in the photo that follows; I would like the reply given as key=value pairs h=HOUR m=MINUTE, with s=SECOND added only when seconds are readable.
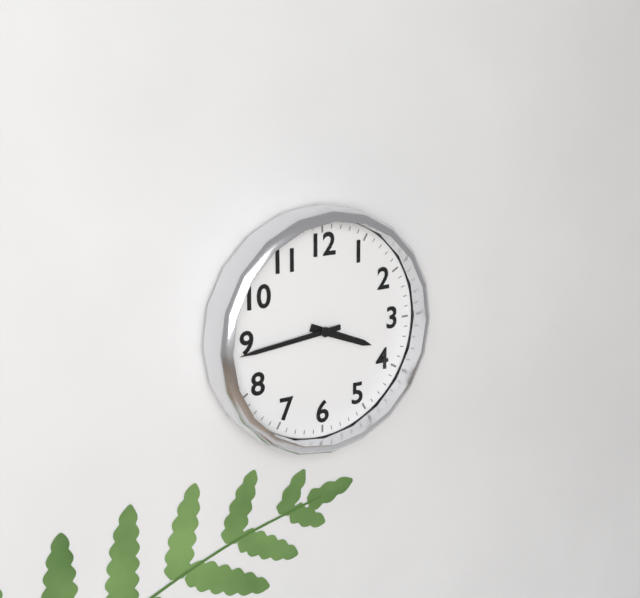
h=3 m=44
